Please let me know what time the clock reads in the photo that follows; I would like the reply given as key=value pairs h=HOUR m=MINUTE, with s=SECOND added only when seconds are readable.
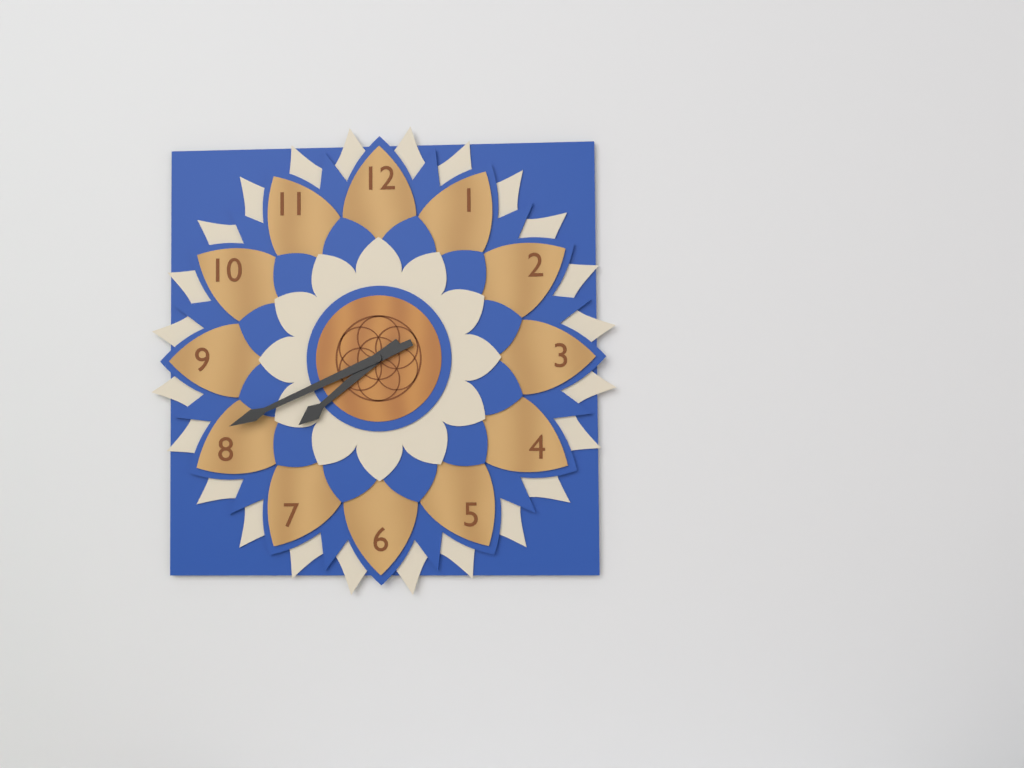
h=7 m=41
